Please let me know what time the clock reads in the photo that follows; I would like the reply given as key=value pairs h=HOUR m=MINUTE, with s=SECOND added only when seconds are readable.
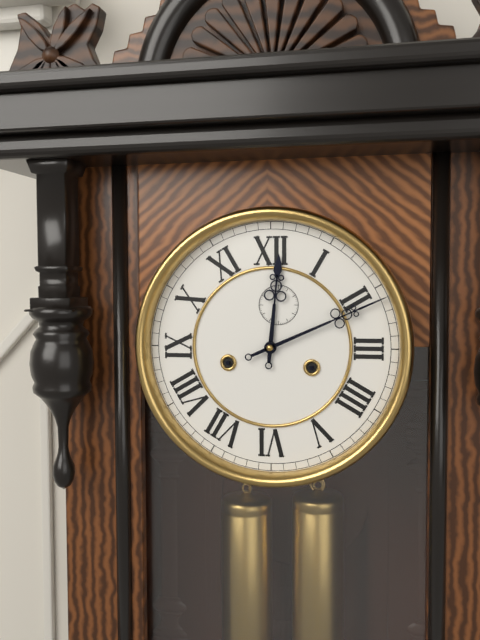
h=12 m=11
